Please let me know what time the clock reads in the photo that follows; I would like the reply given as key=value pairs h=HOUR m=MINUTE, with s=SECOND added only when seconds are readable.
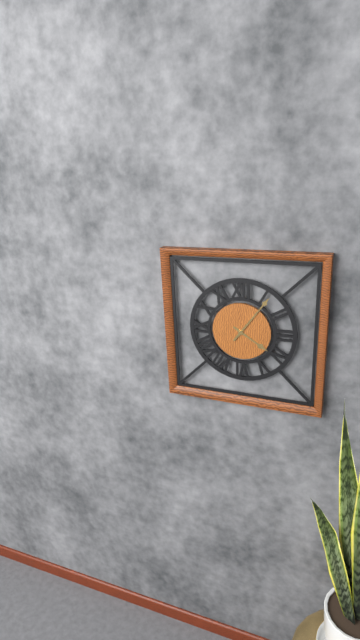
h=4 m=6
